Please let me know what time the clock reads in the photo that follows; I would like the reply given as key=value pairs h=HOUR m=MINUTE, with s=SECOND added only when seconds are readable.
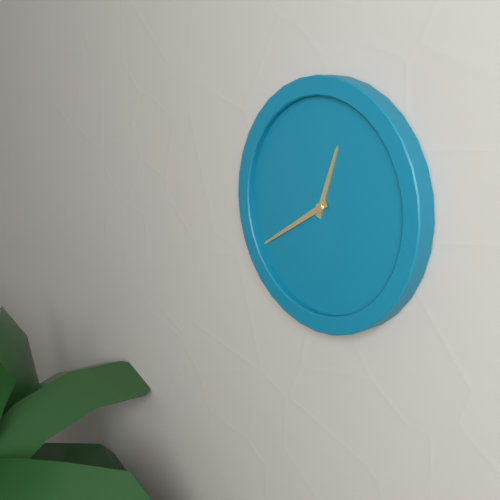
h=12 m=40
